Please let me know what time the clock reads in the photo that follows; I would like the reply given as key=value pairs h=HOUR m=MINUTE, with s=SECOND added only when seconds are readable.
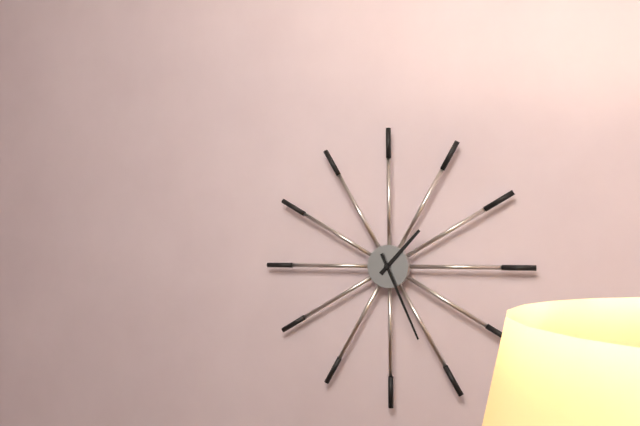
h=1 m=26
